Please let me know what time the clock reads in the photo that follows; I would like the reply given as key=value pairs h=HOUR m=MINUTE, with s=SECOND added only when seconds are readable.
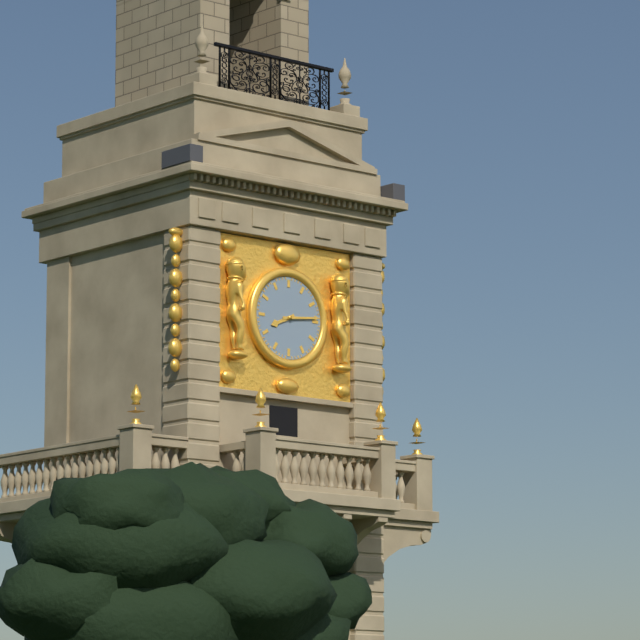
h=8 m=14
